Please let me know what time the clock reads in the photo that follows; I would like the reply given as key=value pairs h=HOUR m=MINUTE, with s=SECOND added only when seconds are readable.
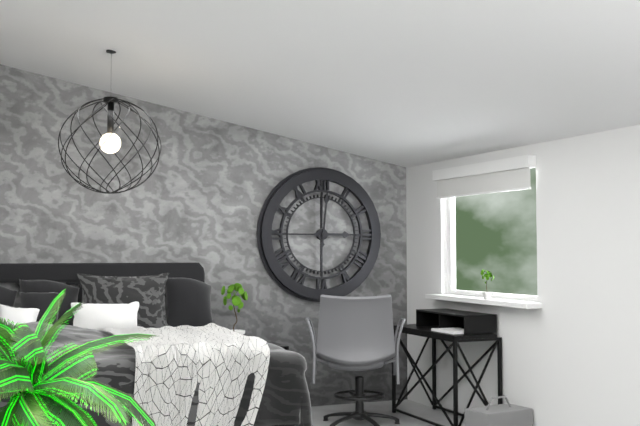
h=3 m=1
